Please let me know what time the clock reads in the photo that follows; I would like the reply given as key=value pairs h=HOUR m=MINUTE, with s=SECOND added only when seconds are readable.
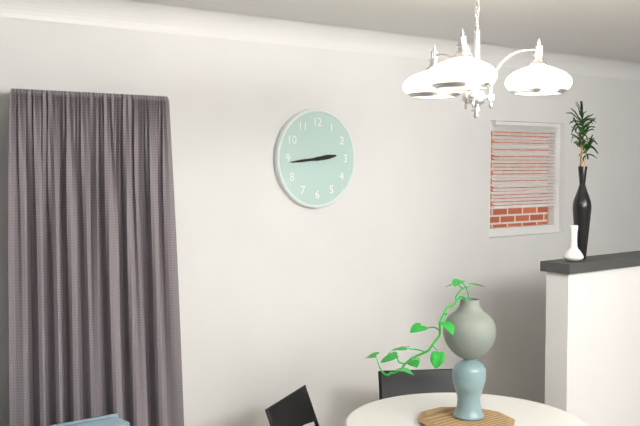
h=2 m=44
